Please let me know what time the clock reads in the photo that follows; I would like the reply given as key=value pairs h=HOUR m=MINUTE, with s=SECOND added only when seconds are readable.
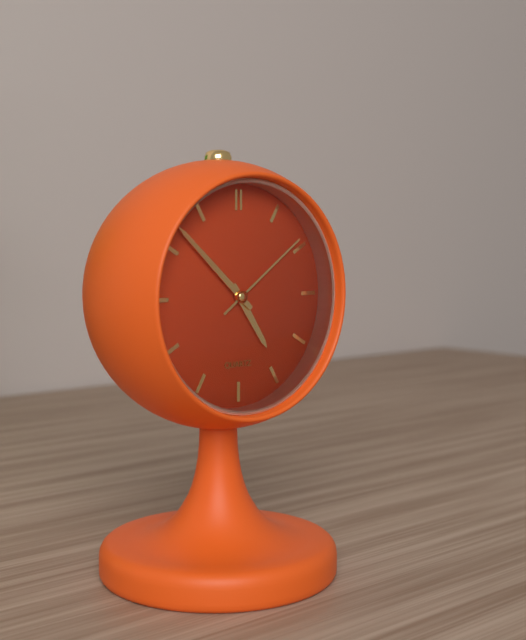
h=4 m=52 s=9
